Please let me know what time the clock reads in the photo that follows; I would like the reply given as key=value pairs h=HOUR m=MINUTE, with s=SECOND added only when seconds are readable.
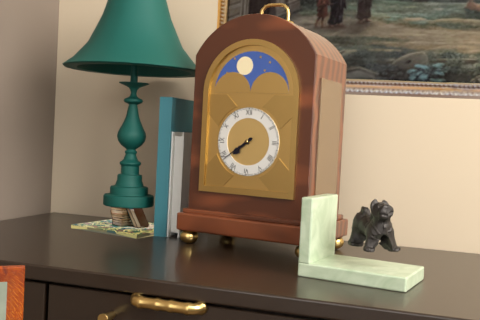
h=7 m=39
